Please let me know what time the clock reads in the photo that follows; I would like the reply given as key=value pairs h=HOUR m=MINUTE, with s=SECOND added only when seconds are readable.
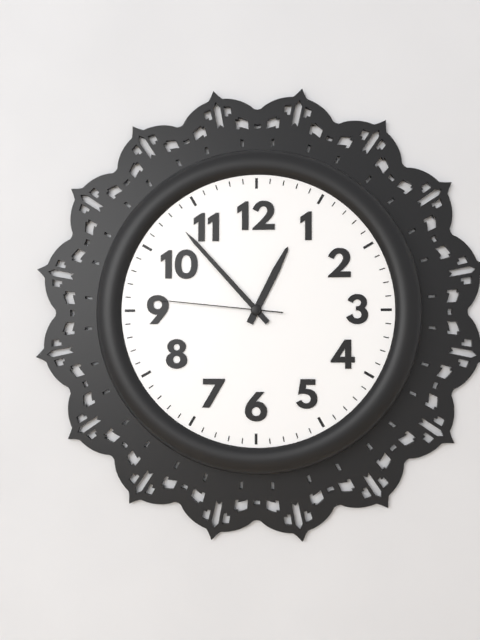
h=12 m=53 s=46
